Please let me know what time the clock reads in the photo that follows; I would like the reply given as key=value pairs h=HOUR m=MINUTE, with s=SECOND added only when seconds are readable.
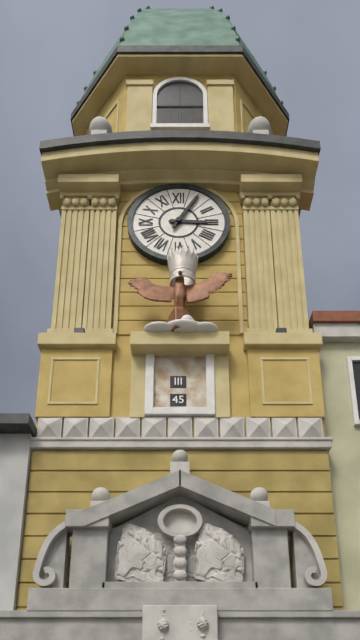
h=3 m=5
